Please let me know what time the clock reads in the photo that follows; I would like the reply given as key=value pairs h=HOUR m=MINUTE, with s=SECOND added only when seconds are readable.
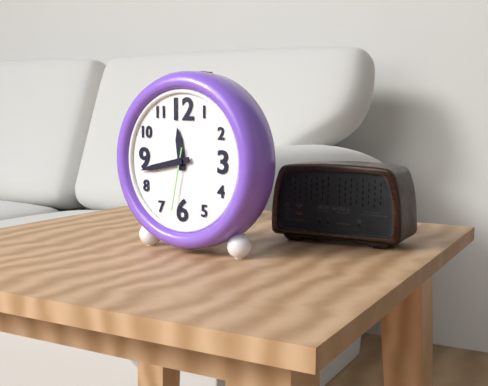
h=11 m=43 s=32
